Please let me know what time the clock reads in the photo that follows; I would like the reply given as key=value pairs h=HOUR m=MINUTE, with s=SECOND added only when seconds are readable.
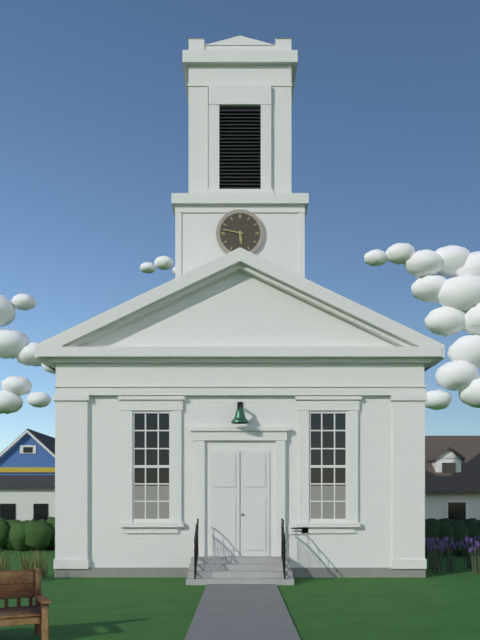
h=5 m=47
